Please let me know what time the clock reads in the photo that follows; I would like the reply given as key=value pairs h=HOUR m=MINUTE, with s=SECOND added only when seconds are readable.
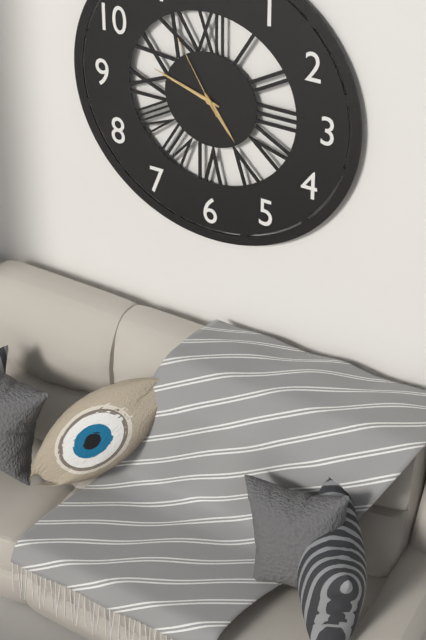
h=4 m=48 s=55
